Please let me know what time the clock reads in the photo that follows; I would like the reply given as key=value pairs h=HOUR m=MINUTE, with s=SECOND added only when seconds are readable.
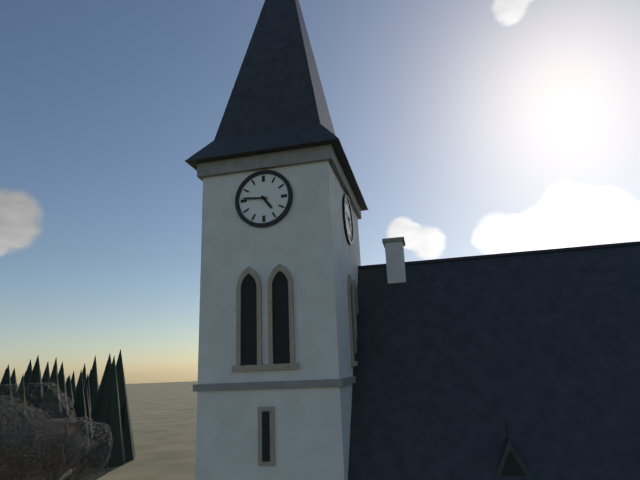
h=4 m=46
